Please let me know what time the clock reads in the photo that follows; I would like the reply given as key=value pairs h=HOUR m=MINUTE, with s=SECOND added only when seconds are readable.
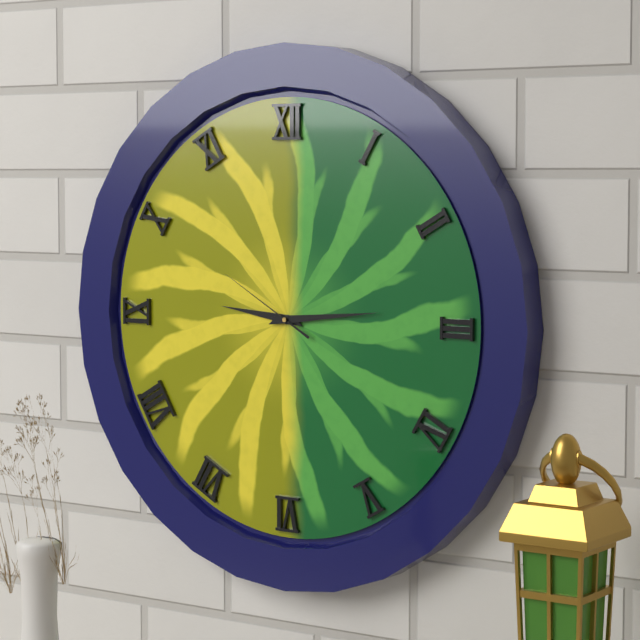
h=9 m=14 s=50
